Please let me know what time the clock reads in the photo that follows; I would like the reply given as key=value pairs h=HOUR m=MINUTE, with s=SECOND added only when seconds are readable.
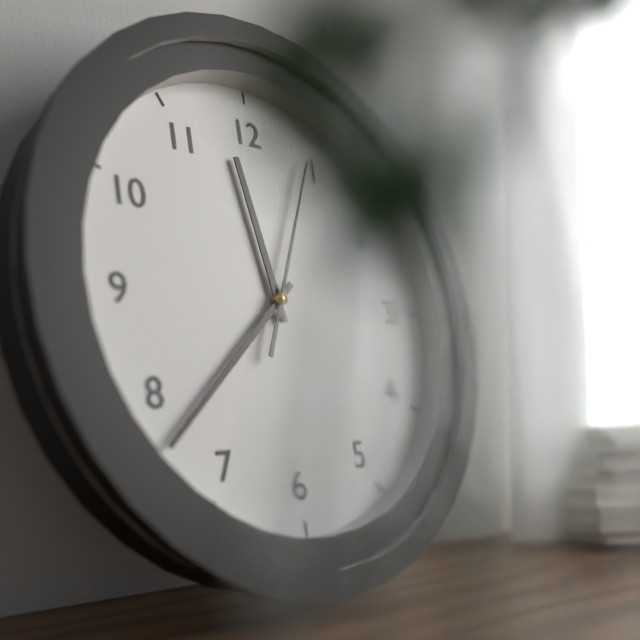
h=11 m=38 s=4
